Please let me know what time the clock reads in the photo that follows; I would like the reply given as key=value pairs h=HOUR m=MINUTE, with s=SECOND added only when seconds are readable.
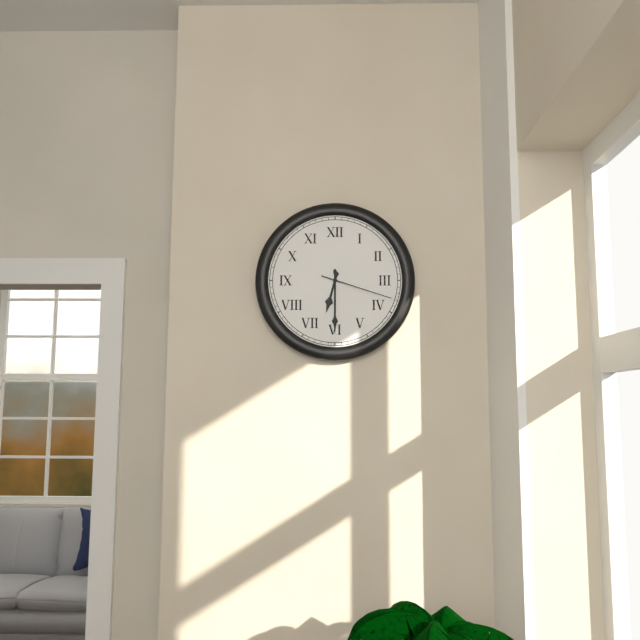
h=6 m=30 s=18
